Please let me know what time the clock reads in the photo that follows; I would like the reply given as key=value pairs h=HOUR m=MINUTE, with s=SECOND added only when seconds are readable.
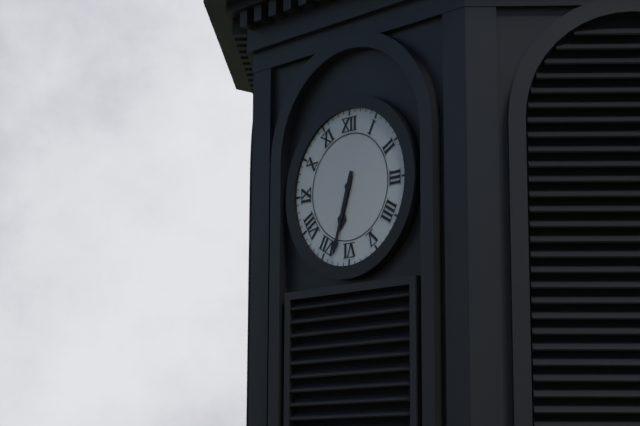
h=6 m=33
